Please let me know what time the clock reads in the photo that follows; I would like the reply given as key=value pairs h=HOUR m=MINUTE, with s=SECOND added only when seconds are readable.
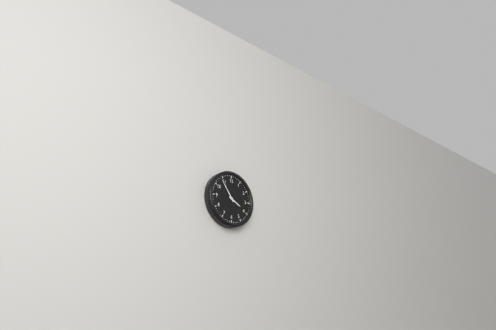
h=3 m=54
